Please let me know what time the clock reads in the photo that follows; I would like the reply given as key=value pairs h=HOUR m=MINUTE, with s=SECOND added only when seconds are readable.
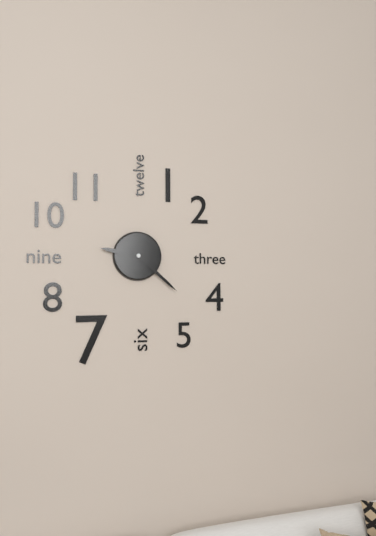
h=9 m=22
